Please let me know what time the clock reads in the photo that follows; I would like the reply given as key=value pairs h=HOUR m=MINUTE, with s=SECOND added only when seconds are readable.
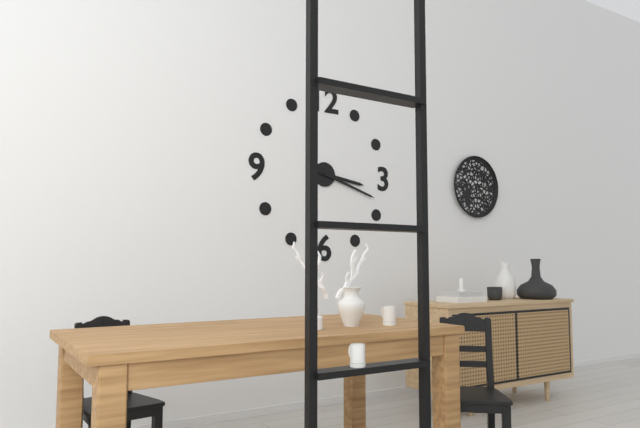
h=3 m=18
